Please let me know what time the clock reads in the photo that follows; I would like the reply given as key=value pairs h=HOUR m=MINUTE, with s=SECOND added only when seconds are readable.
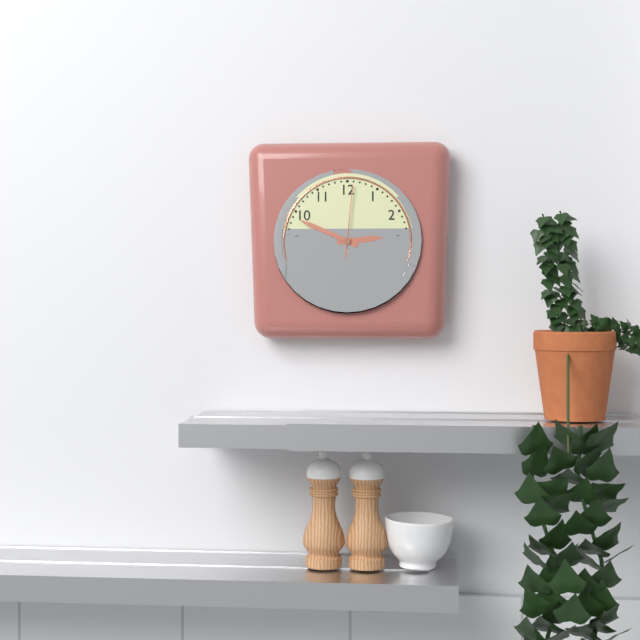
h=2 m=49 s=1
